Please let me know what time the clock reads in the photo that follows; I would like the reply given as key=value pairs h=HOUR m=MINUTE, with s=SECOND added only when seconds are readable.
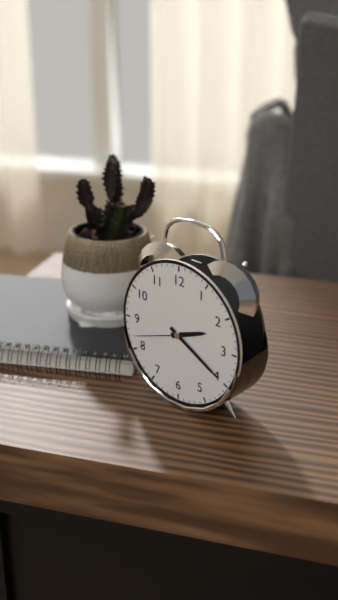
h=2 m=20 s=42
